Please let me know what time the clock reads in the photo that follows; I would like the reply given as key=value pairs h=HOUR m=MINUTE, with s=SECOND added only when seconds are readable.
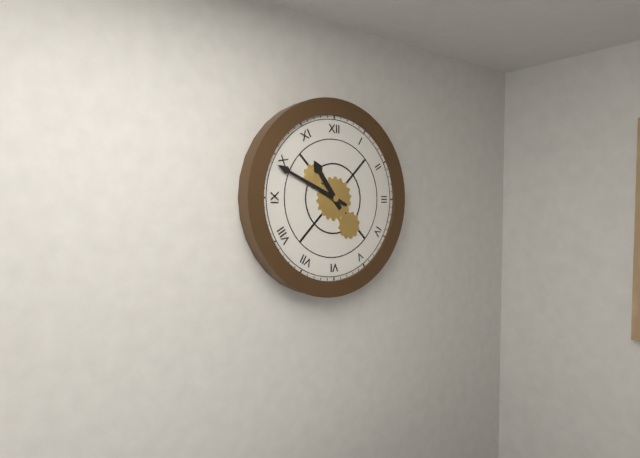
h=10 m=49
